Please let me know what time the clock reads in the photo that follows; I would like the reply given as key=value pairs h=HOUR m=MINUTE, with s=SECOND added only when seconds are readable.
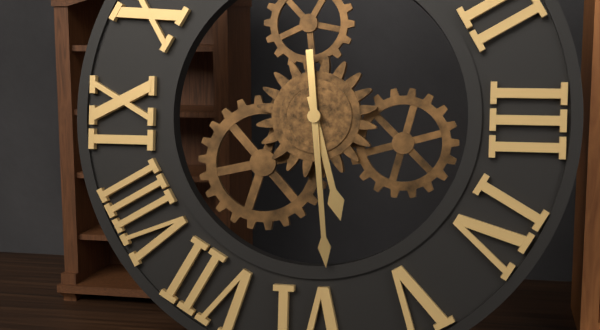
h=5 m=29
